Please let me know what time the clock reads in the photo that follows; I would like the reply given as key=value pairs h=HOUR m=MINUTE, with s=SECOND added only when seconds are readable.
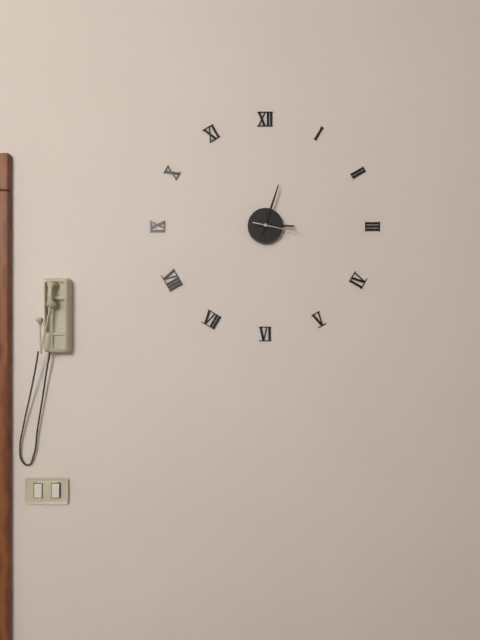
h=3 m=3
